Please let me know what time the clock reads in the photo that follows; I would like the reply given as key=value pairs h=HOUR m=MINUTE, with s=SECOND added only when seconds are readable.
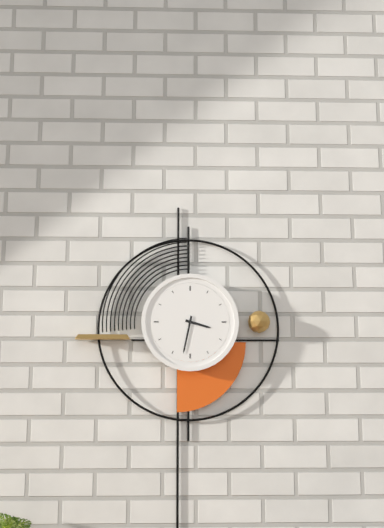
h=3 m=32
